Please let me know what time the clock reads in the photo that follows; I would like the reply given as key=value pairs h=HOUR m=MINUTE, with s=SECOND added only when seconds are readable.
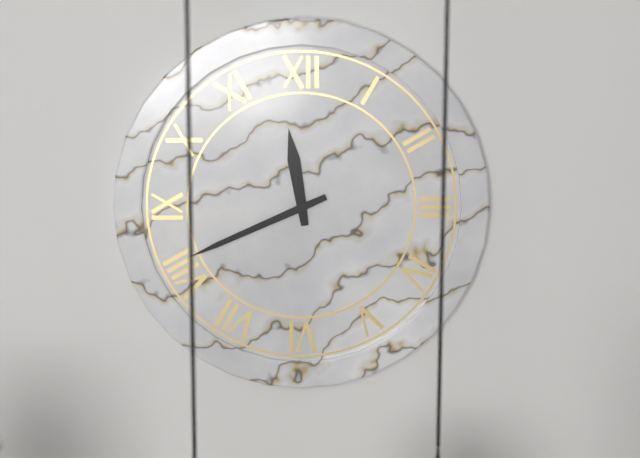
h=11 m=41
